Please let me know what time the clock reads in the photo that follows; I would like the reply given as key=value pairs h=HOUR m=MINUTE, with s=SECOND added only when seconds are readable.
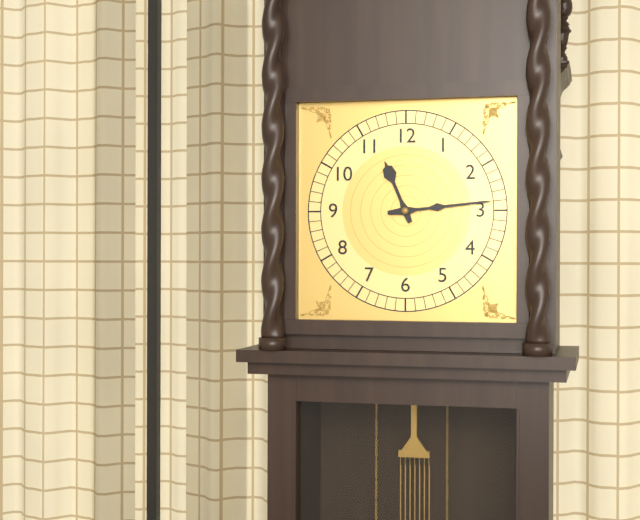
h=11 m=14
